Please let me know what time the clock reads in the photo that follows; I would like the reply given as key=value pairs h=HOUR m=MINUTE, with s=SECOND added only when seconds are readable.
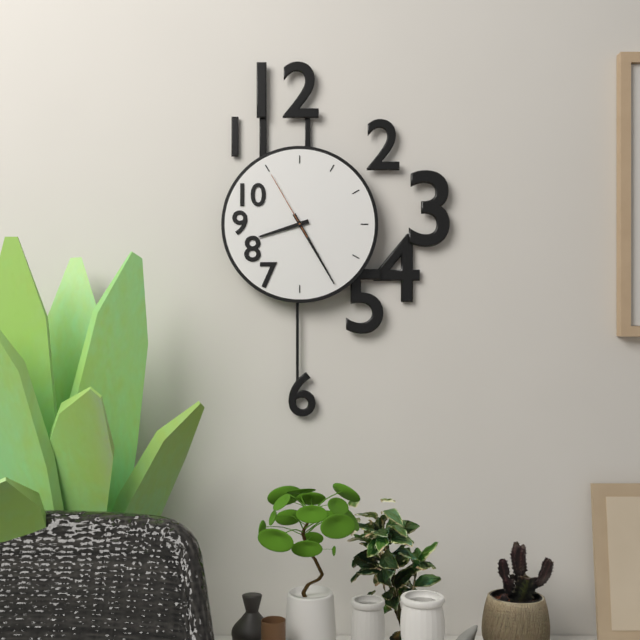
h=8 m=25 s=55
